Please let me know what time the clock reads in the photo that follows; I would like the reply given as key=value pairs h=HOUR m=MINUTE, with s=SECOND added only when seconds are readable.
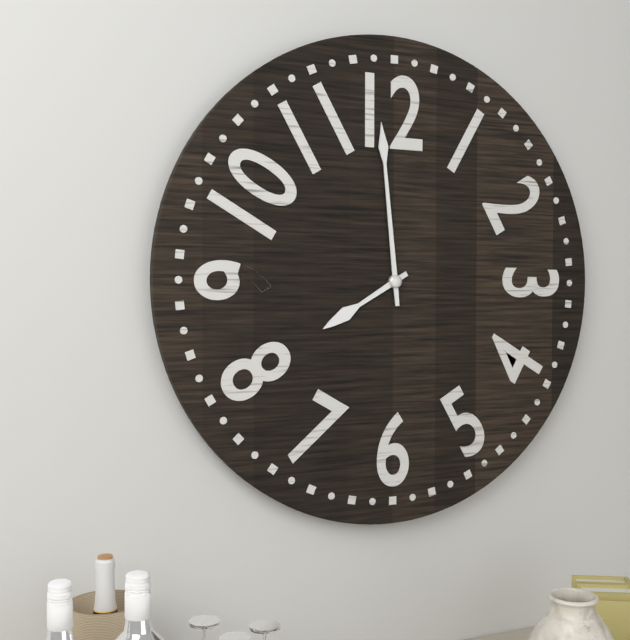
h=7 m=59
